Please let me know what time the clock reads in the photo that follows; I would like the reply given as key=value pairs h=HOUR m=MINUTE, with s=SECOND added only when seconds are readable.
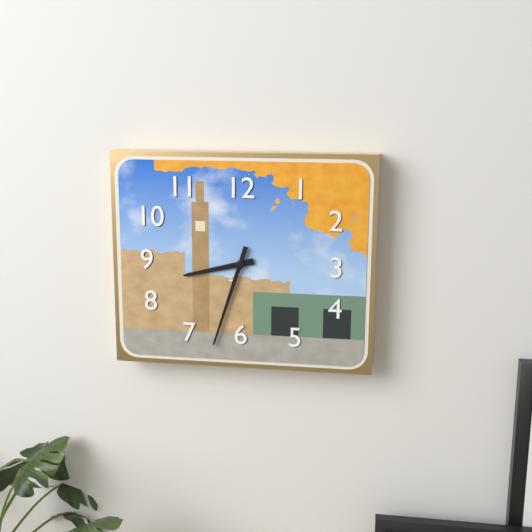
h=8 m=33
